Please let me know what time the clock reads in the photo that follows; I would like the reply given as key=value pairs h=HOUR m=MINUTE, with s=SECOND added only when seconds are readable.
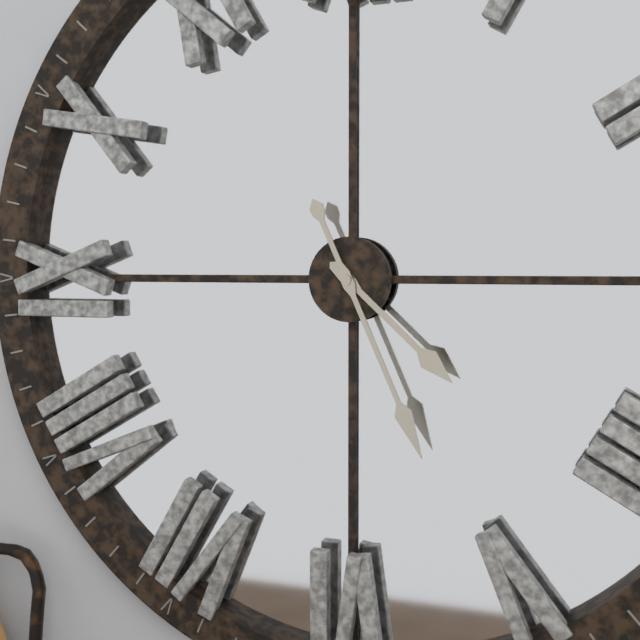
h=4 m=26
